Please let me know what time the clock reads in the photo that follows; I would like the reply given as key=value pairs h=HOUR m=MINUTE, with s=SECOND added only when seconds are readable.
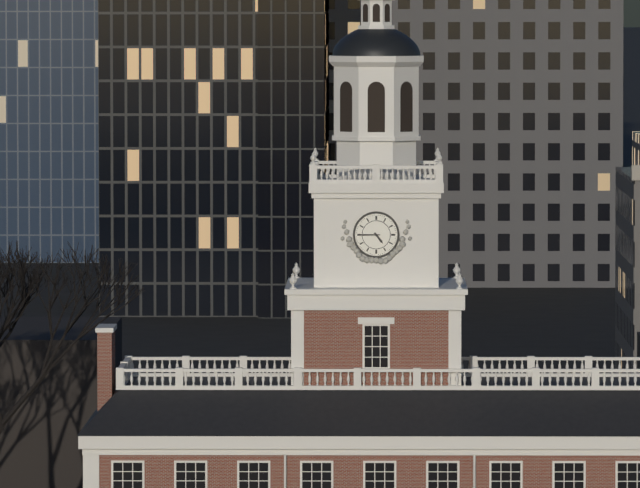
h=4 m=45
